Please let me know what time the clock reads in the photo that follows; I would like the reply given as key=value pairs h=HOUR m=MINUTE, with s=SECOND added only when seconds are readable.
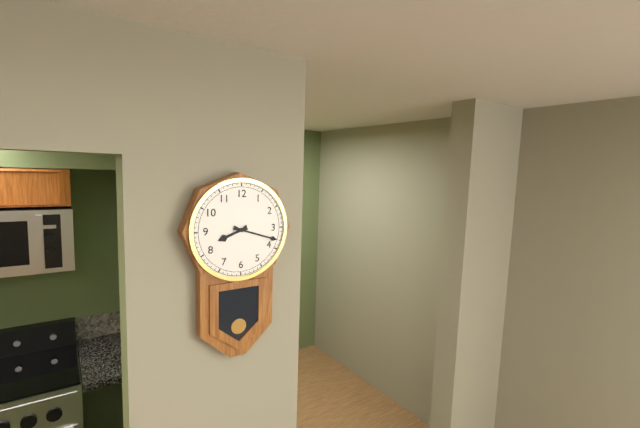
h=8 m=18
